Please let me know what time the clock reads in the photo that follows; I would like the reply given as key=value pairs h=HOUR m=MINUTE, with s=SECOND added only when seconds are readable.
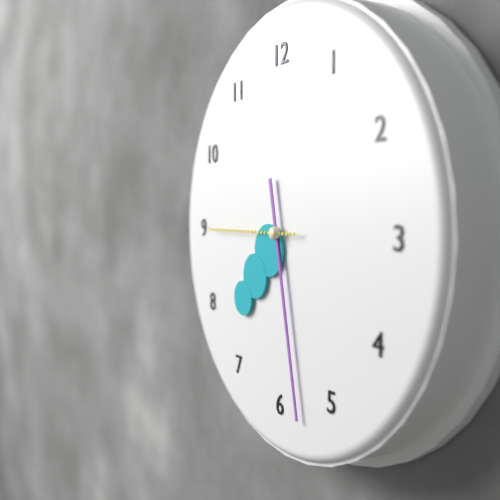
h=7 m=28 s=45
